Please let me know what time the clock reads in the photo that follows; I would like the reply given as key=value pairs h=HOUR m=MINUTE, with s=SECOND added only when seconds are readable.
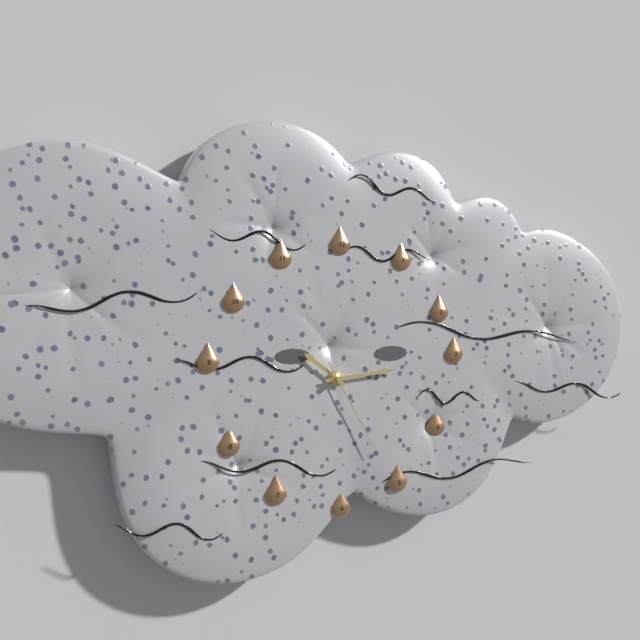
h=10 m=14 s=25
